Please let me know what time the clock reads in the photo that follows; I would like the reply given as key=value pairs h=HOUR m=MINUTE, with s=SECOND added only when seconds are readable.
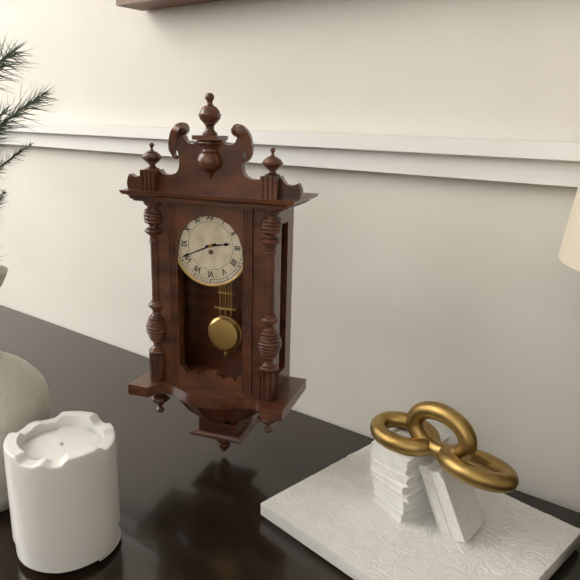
h=2 m=41
